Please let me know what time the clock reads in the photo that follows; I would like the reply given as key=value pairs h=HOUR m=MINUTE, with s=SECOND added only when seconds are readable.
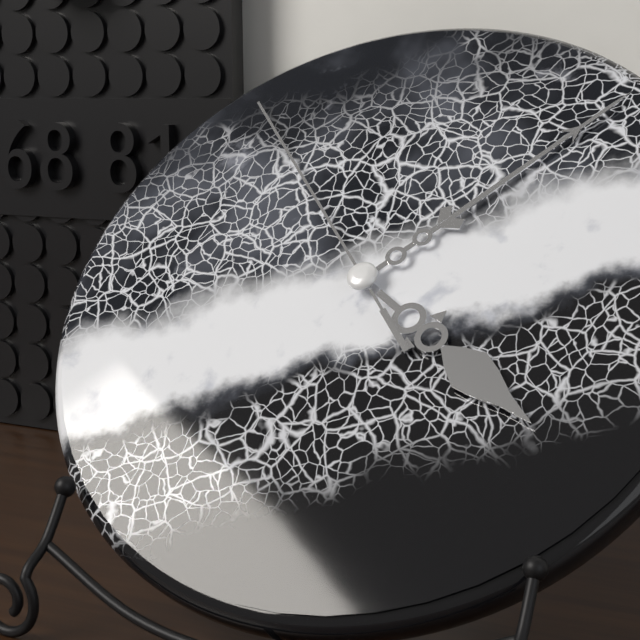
h=4 m=7 s=53
